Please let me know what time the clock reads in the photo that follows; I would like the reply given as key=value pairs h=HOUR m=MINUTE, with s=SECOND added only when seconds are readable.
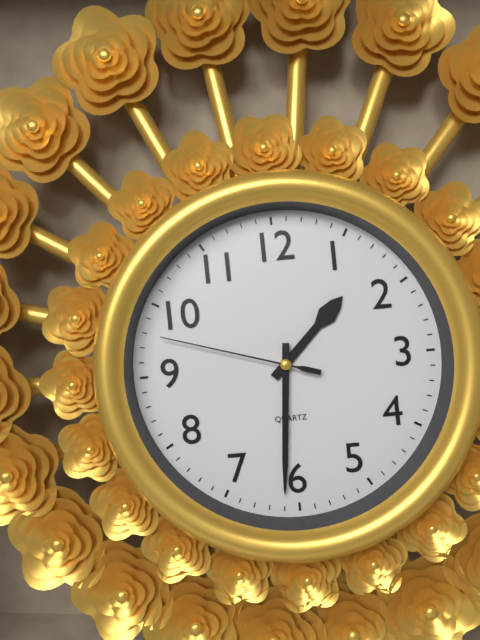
h=1 m=31 s=48
